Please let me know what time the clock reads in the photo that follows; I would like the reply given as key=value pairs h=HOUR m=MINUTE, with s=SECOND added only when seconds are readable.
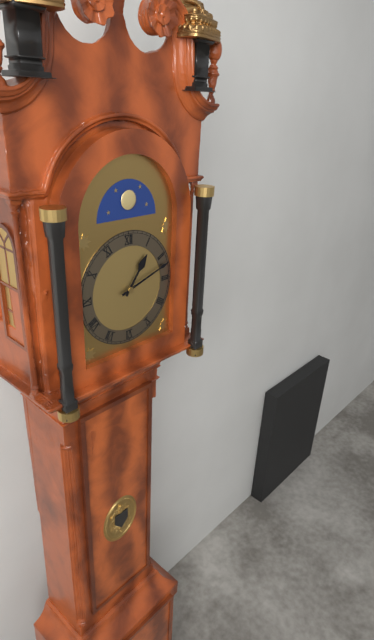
h=1 m=12
